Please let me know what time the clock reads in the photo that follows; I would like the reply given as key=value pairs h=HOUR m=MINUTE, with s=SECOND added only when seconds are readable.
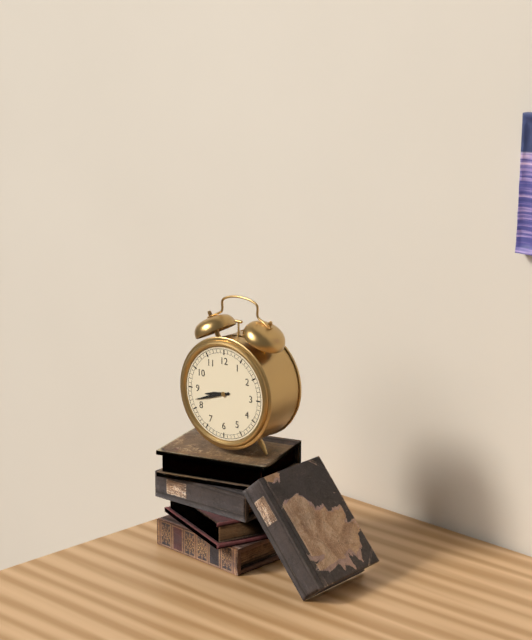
h=8 m=42
